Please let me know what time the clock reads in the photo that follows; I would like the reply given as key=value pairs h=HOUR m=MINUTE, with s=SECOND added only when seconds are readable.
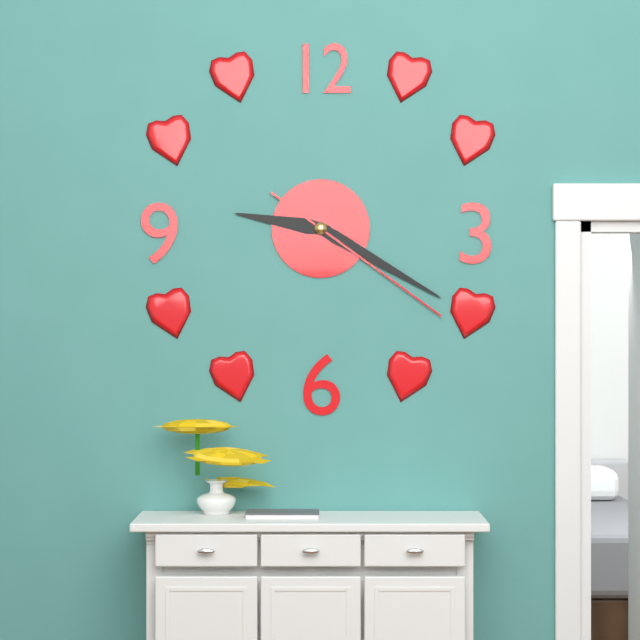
h=9 m=20 s=21
